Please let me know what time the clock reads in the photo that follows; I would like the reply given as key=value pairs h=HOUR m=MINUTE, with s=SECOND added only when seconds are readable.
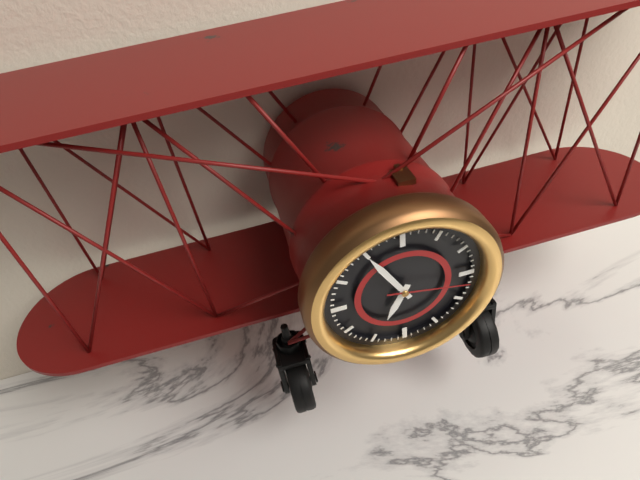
h=6 m=55 s=17
